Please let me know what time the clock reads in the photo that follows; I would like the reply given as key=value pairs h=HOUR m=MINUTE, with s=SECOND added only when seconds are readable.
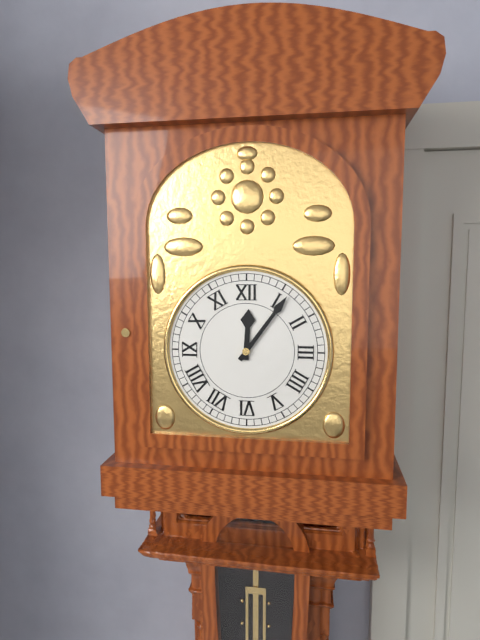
h=12 m=6
